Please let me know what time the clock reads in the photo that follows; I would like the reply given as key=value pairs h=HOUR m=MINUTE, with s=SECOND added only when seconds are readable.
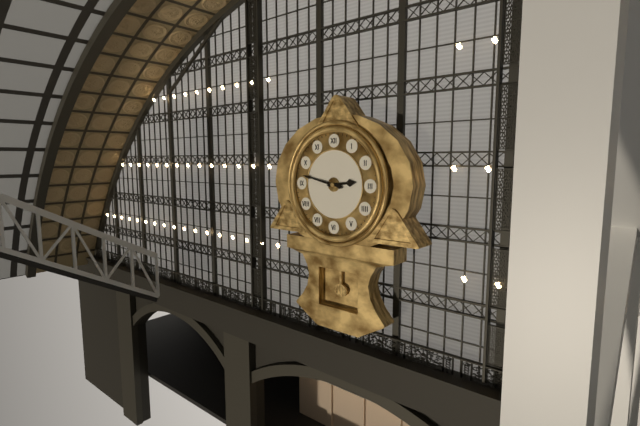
h=2 m=47
